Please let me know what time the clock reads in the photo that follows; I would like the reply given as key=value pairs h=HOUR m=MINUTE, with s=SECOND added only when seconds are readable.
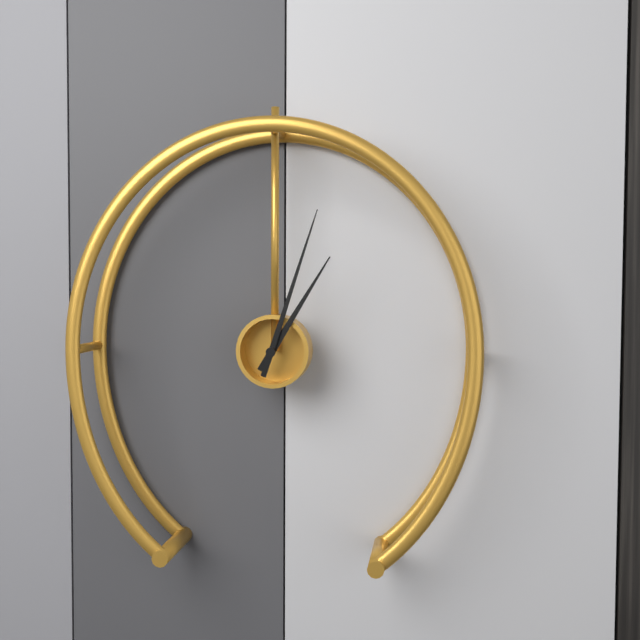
h=1 m=3
